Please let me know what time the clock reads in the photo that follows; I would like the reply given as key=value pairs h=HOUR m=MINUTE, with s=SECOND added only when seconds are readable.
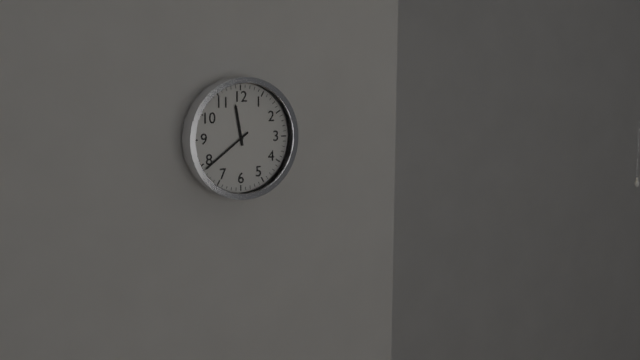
h=11 m=39
